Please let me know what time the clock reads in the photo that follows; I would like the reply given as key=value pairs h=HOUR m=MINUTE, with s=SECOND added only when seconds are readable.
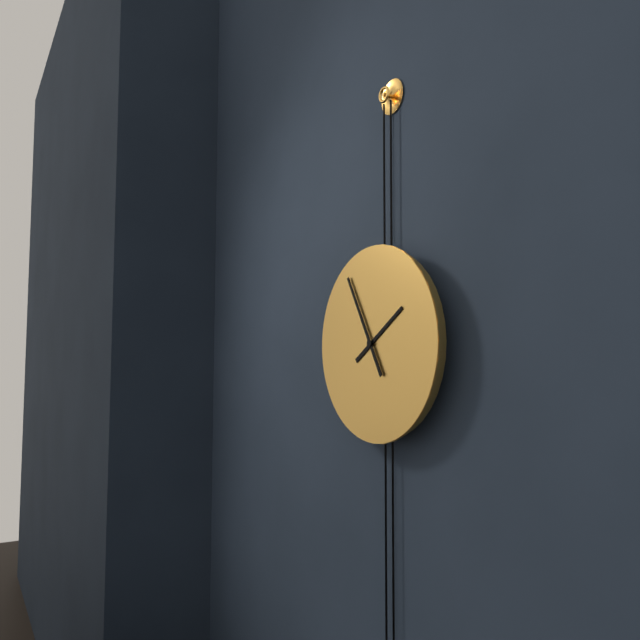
h=1 m=55
